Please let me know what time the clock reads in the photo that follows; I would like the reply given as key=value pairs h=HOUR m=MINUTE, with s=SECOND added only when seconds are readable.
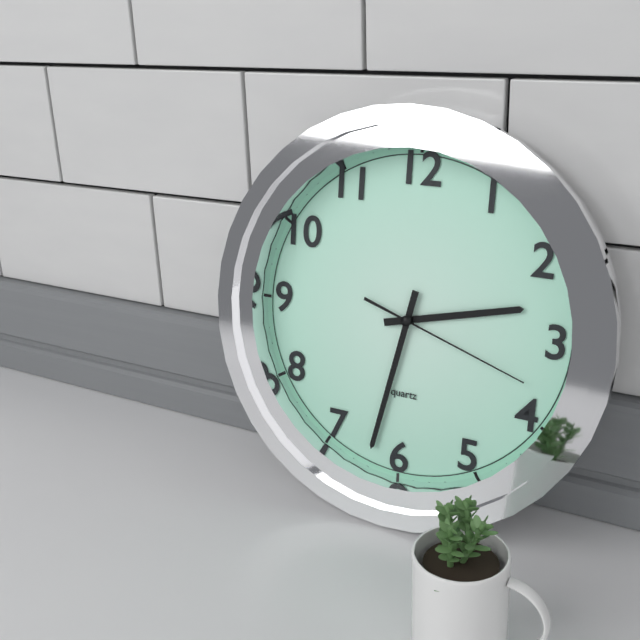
h=2 m=32 s=18
